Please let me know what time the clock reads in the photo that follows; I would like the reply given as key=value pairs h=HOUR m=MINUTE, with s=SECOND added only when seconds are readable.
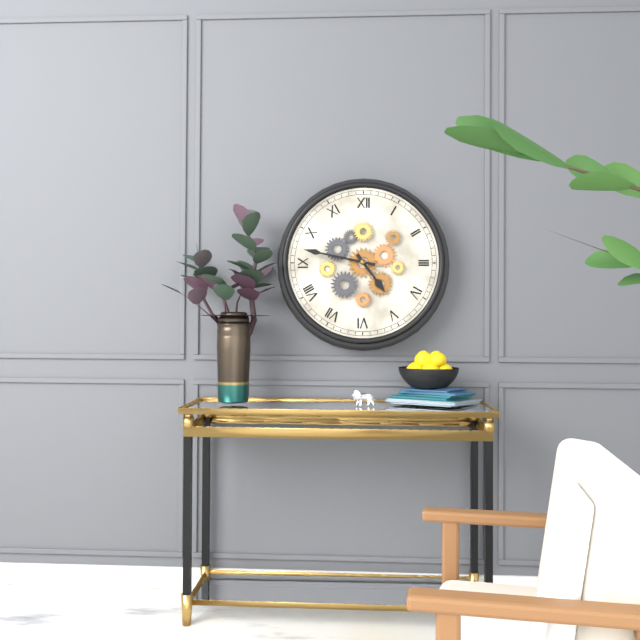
h=4 m=47
